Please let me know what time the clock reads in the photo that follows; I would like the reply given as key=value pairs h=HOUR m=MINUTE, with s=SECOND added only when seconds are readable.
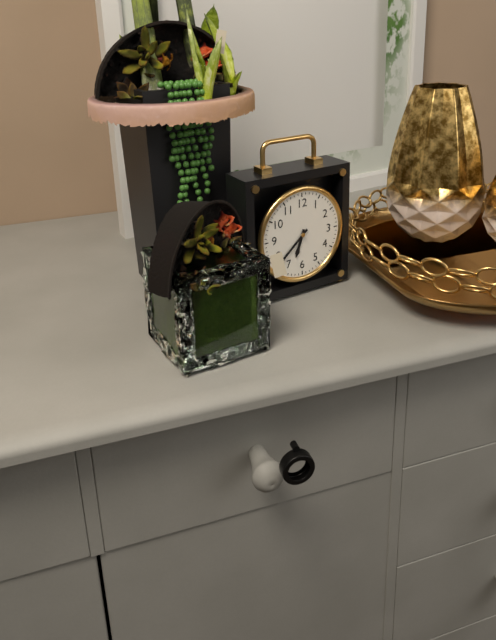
h=6 m=38
